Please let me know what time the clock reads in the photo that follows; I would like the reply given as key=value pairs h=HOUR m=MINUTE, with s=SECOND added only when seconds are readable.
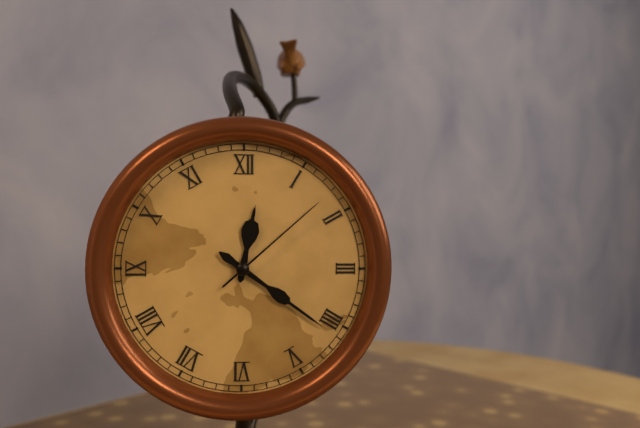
h=12 m=21 s=8
